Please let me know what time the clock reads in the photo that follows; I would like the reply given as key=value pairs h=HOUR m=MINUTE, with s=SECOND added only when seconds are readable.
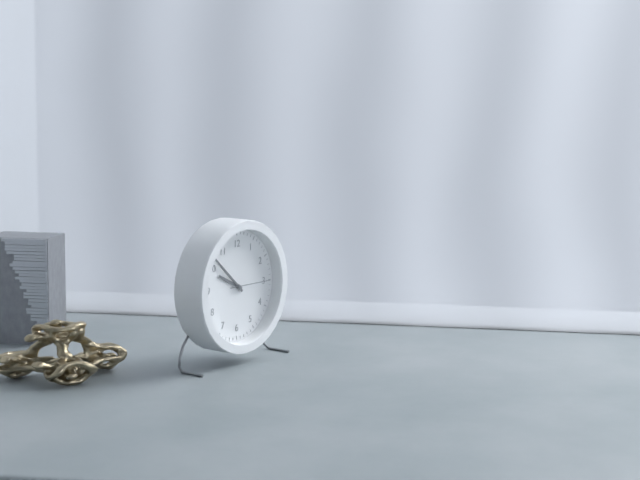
h=9 m=52
